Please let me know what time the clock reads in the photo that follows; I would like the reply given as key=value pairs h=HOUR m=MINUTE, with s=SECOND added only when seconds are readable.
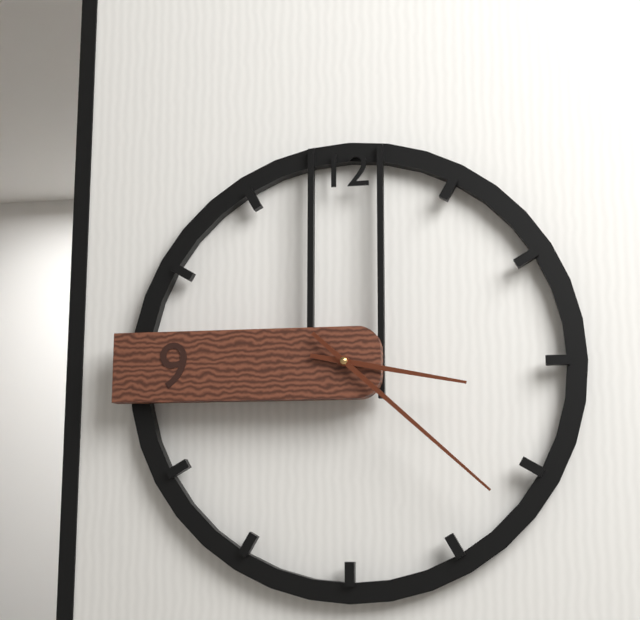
h=3 m=22
